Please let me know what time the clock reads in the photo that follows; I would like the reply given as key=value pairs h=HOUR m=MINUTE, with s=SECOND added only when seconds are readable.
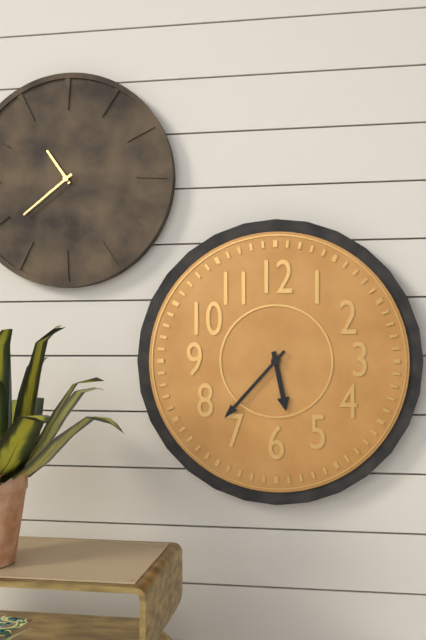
h=5 m=37
